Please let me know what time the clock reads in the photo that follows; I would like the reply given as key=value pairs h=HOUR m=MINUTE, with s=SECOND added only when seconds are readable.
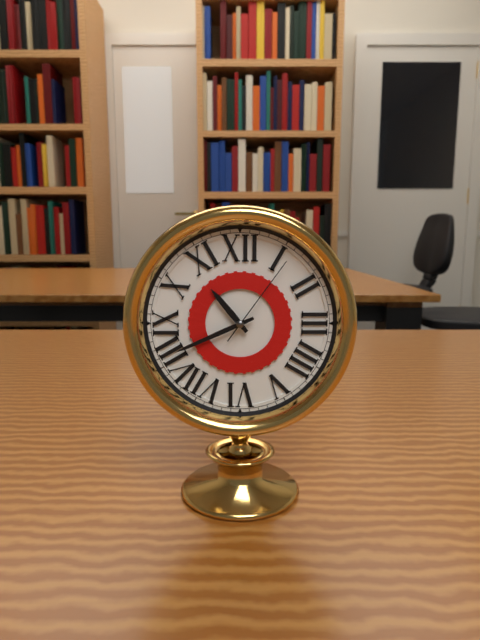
h=10 m=41 s=6
